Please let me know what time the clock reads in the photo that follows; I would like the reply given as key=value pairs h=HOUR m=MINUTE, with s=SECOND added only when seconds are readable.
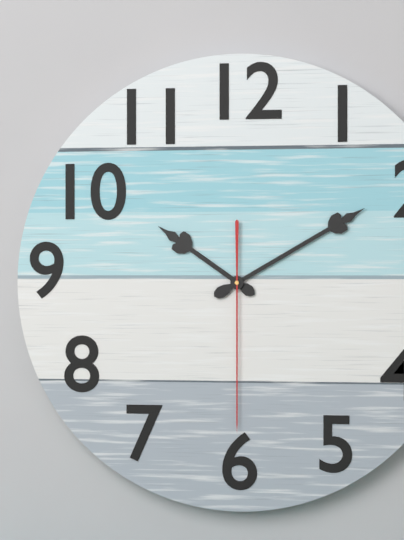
h=10 m=10 s=30
